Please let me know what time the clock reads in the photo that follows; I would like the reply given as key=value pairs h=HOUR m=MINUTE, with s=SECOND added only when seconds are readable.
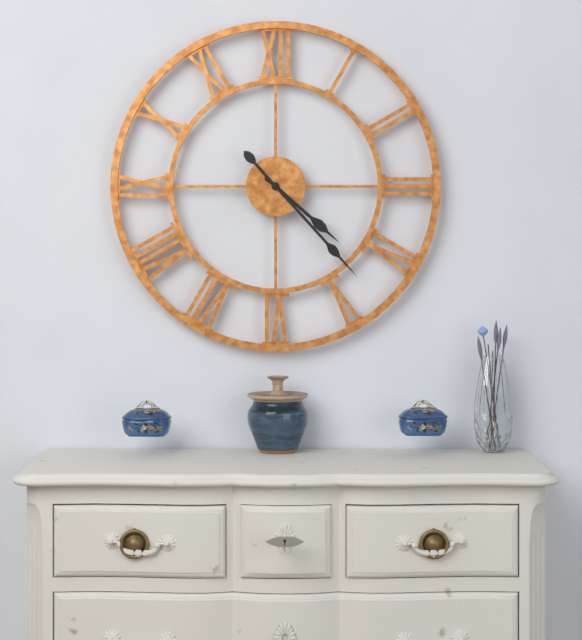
h=4 m=23
